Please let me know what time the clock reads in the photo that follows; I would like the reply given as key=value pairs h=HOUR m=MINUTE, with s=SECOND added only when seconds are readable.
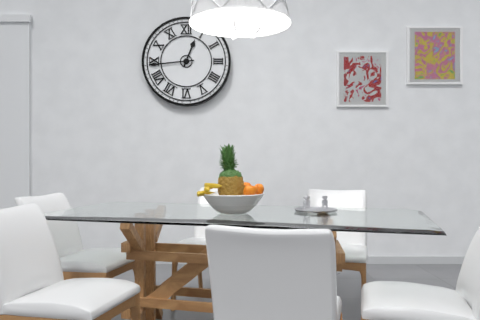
h=12 m=44
